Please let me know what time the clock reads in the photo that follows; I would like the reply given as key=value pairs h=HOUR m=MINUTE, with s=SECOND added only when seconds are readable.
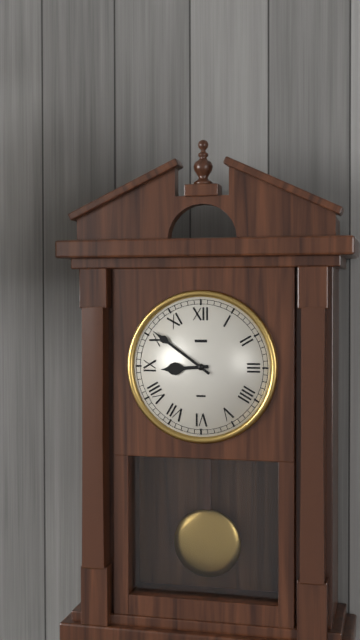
h=8 m=51
